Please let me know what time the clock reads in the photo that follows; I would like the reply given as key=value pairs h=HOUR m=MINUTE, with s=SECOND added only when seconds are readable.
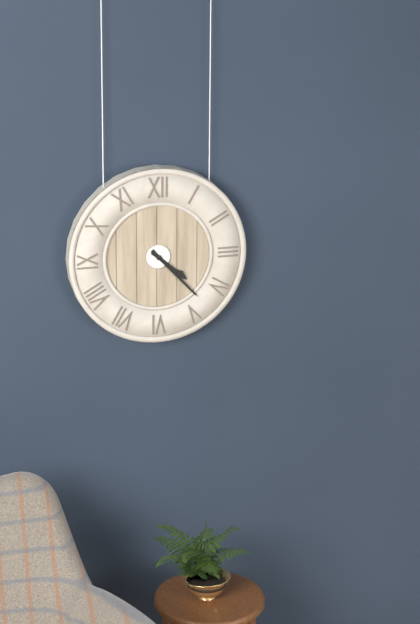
h=4 m=23
